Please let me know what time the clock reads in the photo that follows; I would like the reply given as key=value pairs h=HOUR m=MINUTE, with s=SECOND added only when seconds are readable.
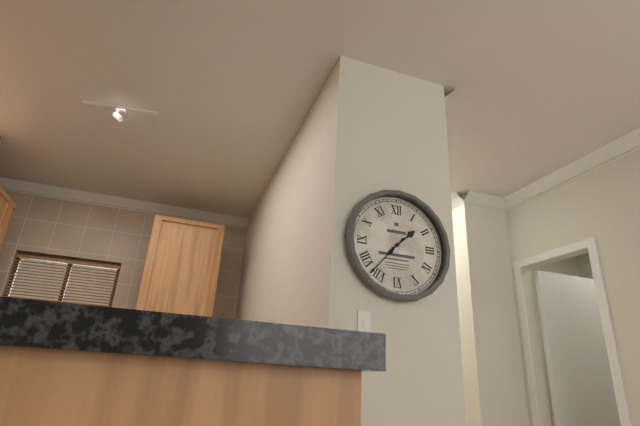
h=1 m=37
